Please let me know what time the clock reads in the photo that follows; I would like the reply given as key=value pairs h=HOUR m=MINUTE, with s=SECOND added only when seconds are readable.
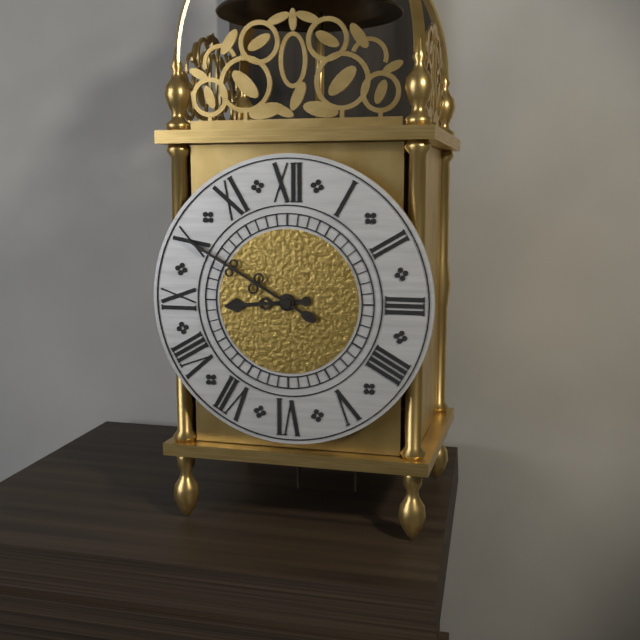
h=8 m=50
